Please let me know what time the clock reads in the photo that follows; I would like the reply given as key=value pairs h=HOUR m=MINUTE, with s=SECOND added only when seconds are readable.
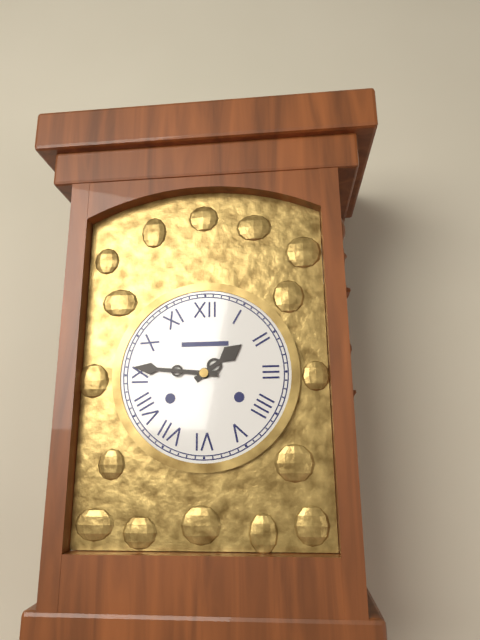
h=1 m=46
